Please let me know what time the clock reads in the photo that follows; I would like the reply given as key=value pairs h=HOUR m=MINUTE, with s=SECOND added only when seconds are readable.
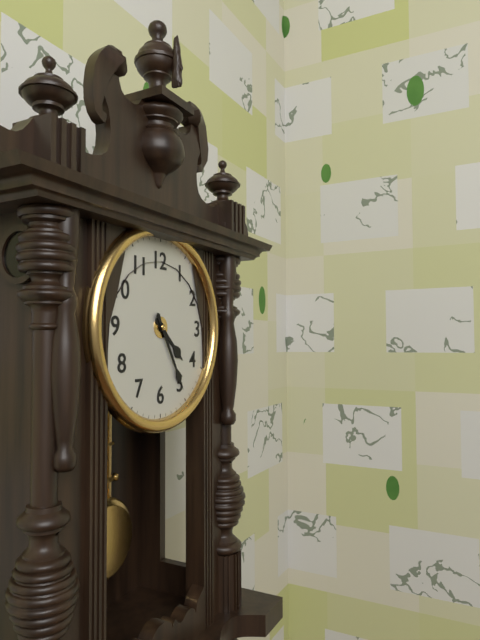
h=4 m=25
